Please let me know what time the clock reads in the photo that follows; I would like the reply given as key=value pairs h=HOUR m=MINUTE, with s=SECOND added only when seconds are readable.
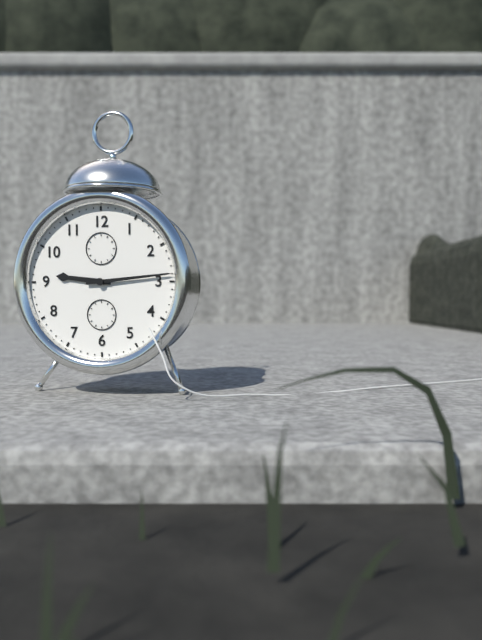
h=9 m=14
